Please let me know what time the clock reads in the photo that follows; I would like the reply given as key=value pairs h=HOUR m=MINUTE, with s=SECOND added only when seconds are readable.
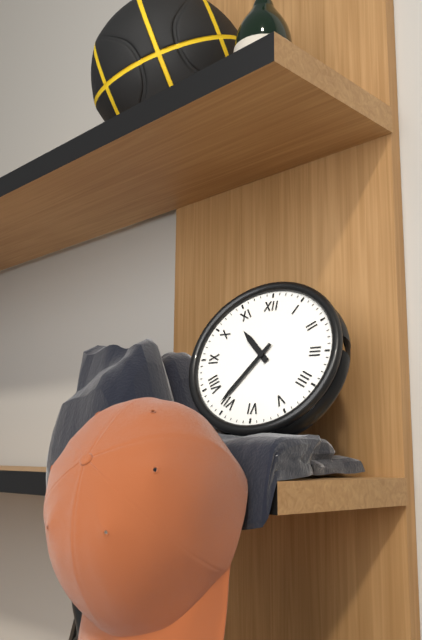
h=10 m=36
